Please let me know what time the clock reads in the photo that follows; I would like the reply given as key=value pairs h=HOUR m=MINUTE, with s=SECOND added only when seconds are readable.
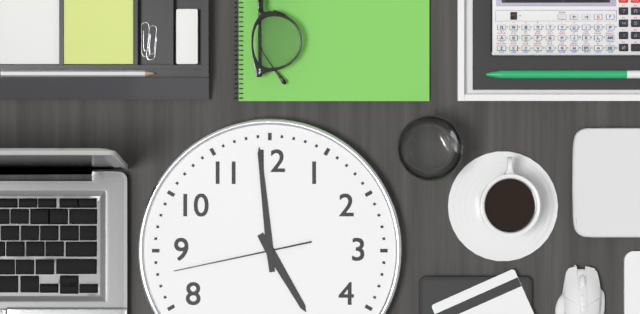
h=4 m=59 s=43
